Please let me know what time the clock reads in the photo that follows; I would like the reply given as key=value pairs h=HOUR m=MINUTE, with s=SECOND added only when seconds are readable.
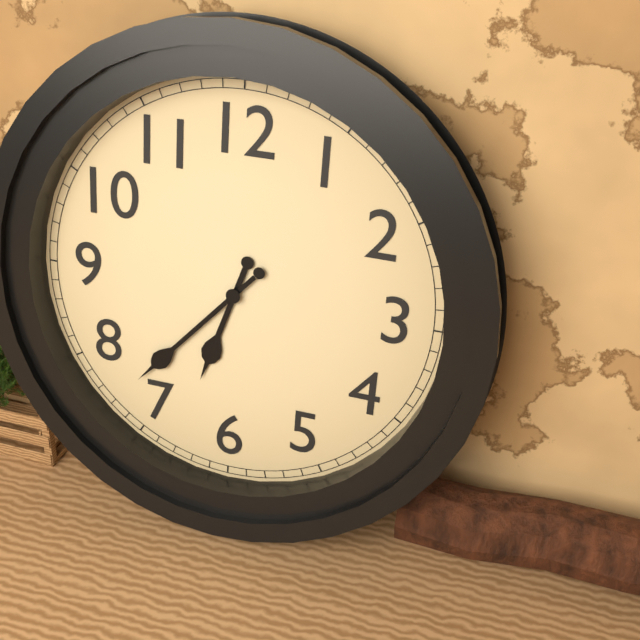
h=6 m=37
